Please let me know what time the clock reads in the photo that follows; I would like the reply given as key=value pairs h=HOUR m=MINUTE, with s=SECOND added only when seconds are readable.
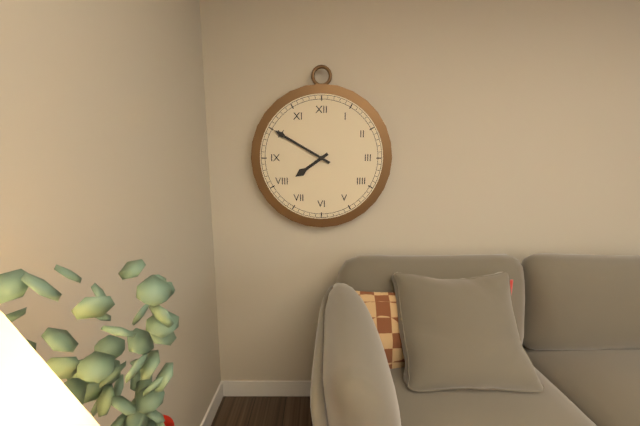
h=7 m=50
